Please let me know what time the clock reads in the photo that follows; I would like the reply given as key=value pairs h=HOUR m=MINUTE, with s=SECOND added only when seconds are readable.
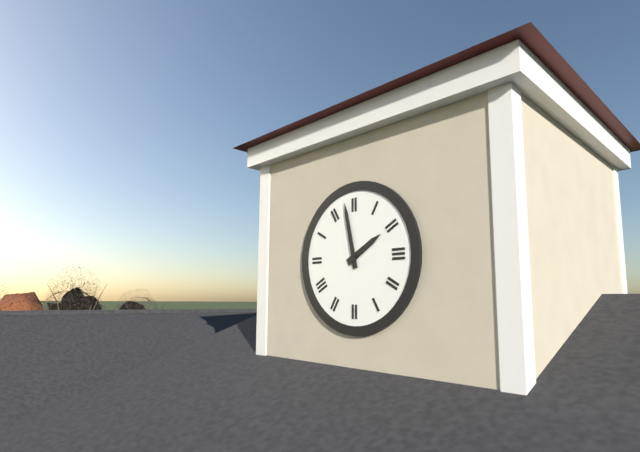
h=1 m=58
